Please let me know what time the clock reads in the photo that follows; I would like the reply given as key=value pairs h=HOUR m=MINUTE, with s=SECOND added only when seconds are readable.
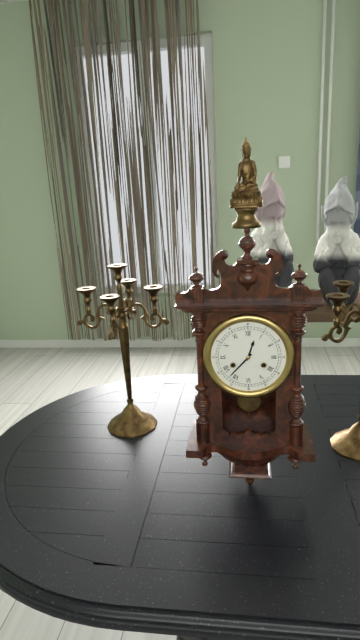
h=12 m=37
